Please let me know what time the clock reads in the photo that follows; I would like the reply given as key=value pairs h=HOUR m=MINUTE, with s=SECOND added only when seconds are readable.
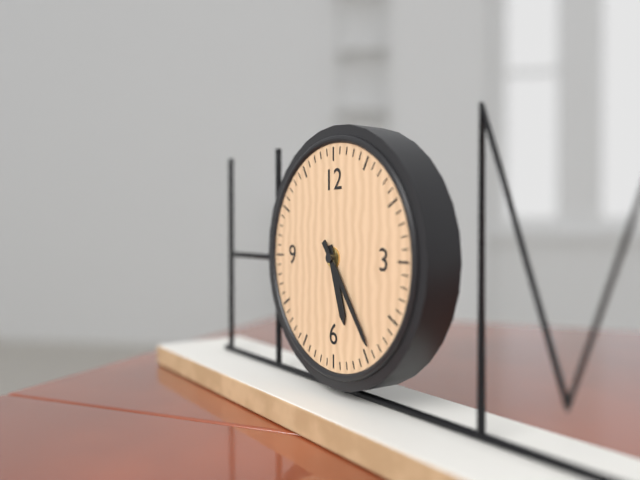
h=5 m=24
